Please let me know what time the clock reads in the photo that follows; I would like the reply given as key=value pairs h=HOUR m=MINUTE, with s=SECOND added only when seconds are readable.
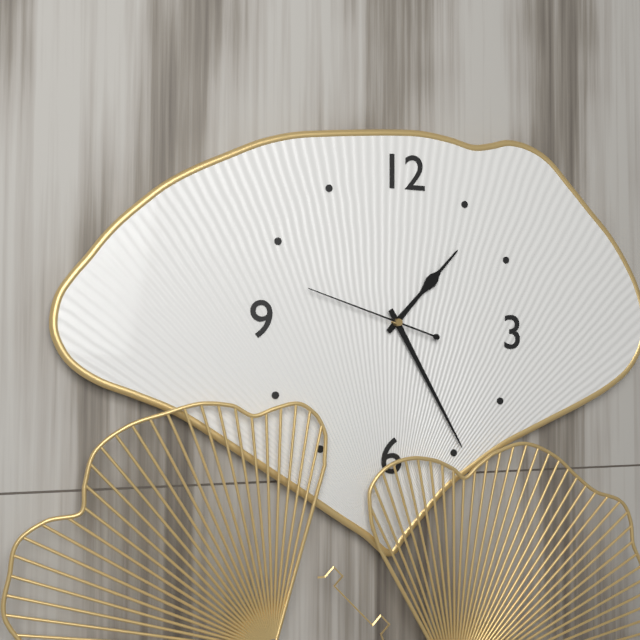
h=1 m=25 s=48
